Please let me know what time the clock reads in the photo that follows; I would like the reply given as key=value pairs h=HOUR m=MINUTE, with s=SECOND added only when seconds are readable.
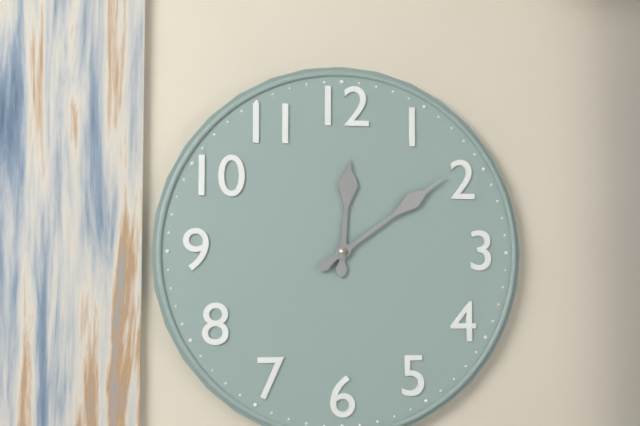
h=12 m=9
